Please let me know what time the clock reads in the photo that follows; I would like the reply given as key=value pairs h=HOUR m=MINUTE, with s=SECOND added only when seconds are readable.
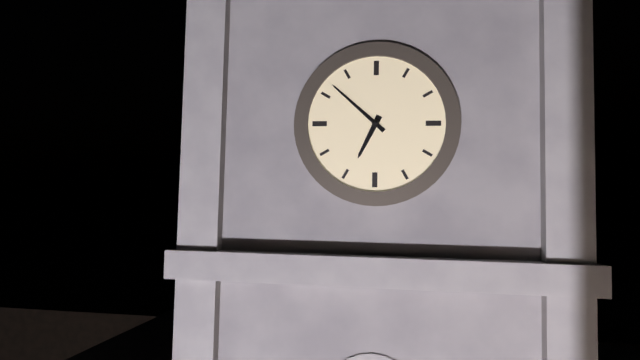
h=6 m=52
